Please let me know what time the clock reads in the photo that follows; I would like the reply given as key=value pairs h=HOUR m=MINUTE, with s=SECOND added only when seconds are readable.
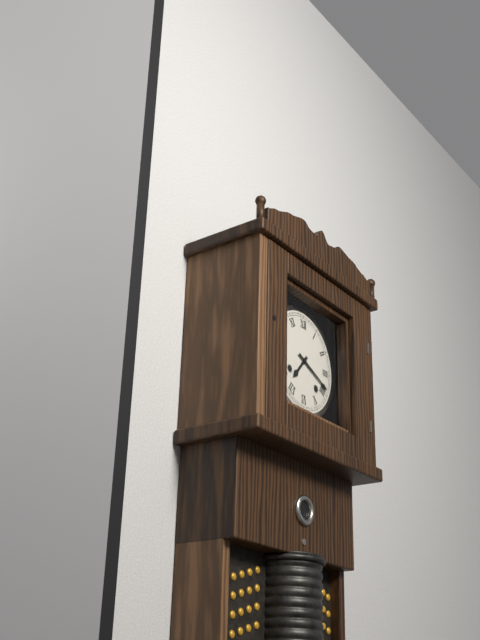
h=7 m=19
